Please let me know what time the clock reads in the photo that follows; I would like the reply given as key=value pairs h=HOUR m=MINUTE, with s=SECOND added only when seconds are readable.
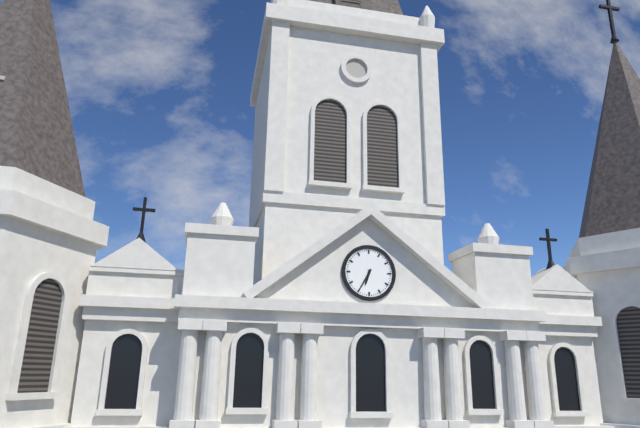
h=6 m=35
